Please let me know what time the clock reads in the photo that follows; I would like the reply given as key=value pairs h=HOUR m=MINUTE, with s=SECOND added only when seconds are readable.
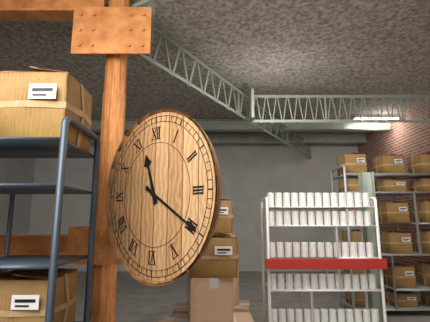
h=11 m=20
